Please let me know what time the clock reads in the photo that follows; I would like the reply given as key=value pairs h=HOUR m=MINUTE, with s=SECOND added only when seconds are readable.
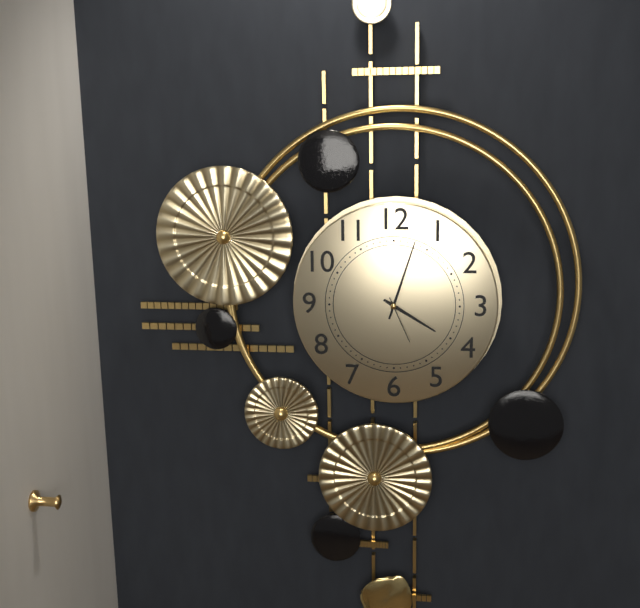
h=4 m=3
